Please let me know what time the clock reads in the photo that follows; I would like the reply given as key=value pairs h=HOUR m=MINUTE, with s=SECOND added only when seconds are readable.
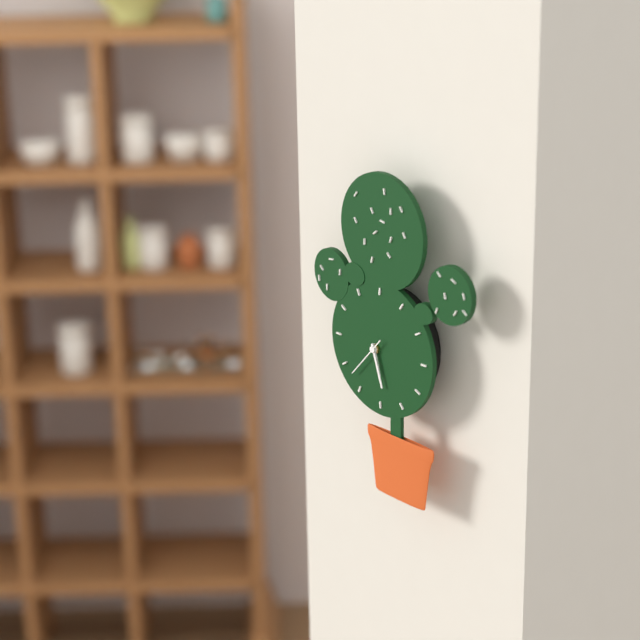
h=5 m=27 s=37
